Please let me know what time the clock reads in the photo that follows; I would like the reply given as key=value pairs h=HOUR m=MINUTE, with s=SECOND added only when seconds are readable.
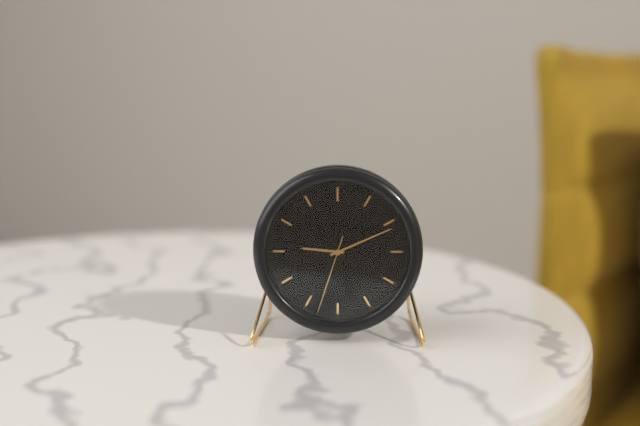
h=9 m=11 s=33
